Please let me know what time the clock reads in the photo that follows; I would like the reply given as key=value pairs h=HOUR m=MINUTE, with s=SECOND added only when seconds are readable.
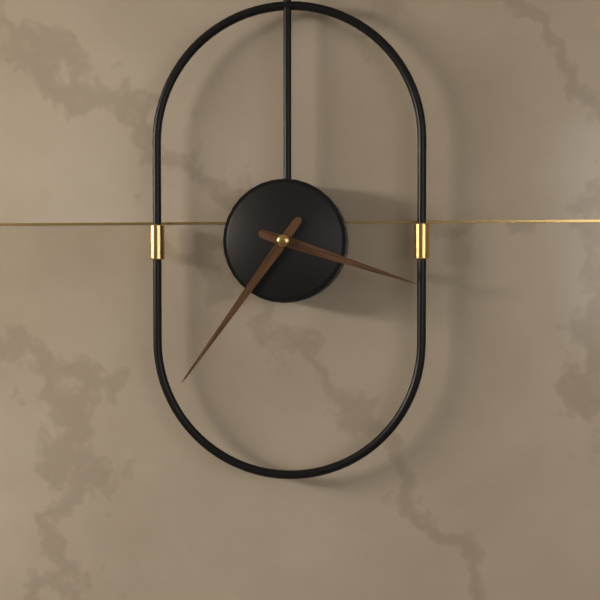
h=3 m=36
